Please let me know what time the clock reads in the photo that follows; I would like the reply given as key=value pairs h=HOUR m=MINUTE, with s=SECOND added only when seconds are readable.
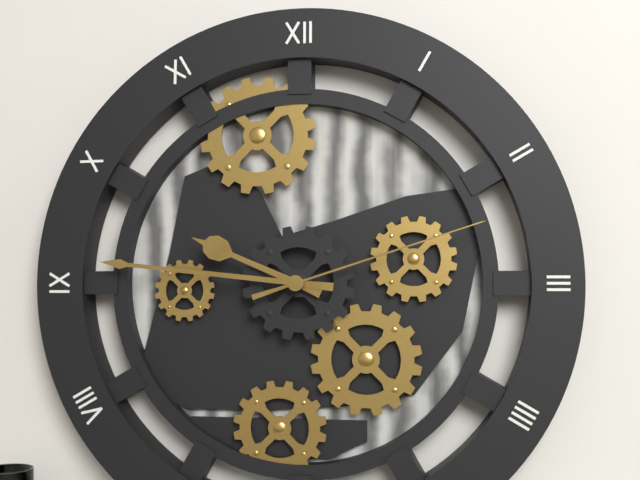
h=9 m=46 s=12
